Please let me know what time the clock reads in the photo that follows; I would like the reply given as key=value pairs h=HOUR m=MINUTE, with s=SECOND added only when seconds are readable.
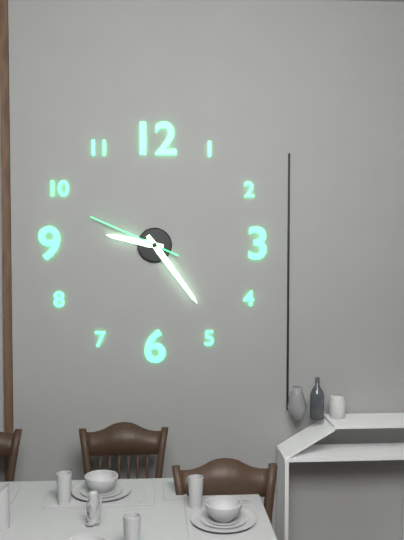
h=9 m=24 s=49
